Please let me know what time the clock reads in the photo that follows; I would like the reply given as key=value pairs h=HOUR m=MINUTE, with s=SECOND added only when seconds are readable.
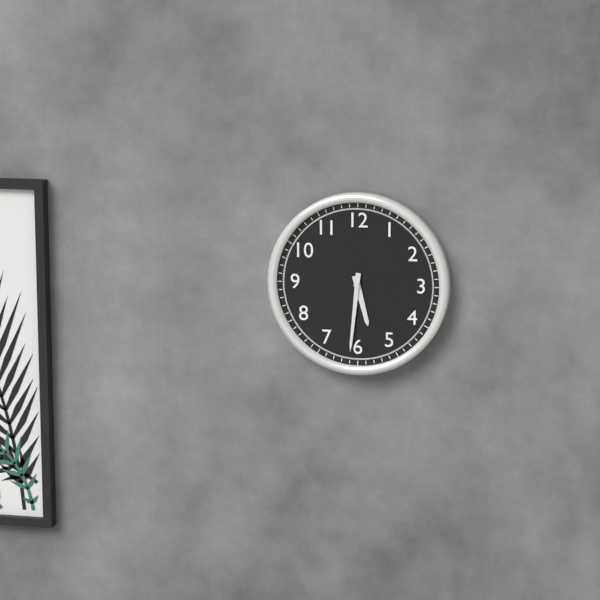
h=5 m=31
